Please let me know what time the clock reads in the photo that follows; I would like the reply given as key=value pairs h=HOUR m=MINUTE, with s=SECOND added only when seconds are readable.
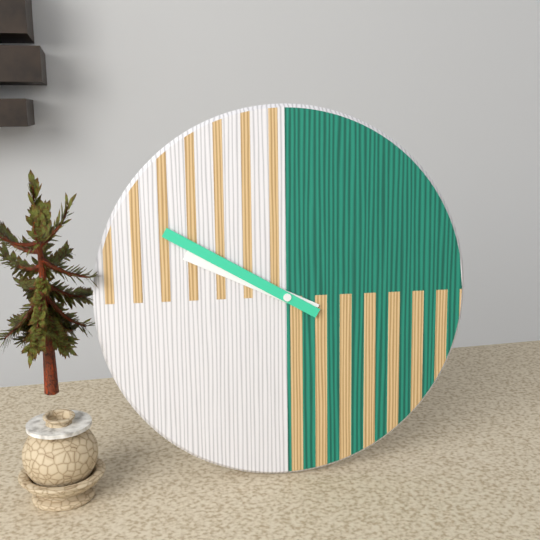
h=9 m=50
